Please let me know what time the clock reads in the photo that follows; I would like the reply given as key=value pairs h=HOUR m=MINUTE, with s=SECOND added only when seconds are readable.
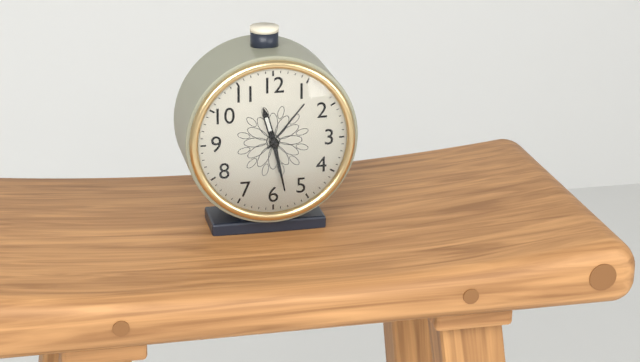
h=11 m=28
